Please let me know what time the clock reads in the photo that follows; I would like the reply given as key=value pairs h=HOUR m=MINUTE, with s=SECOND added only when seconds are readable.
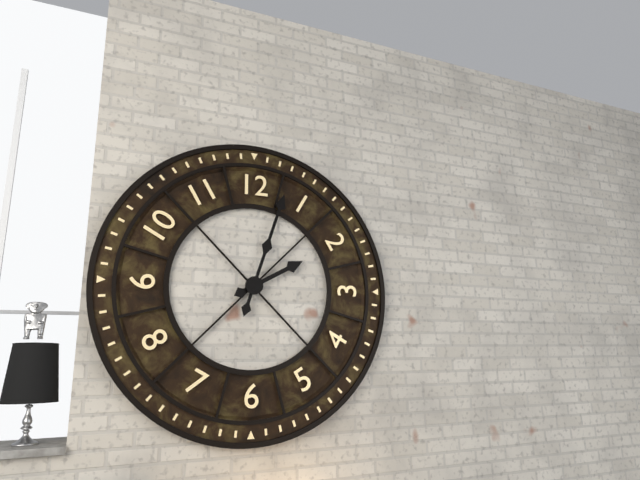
h=2 m=3
